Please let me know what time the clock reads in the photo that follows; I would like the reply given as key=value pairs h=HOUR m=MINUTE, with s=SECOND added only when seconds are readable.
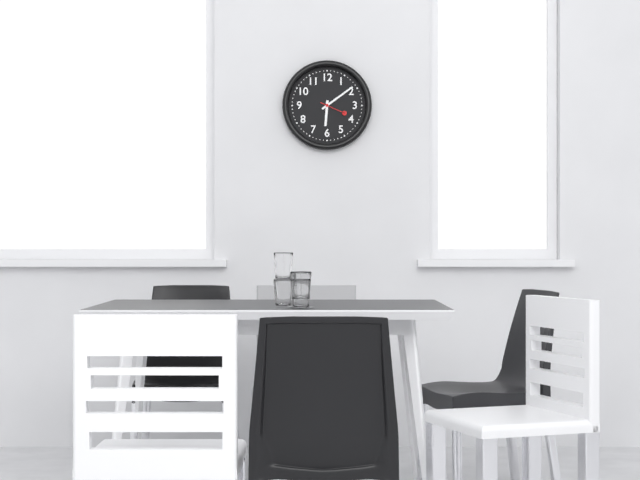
h=6 m=9
